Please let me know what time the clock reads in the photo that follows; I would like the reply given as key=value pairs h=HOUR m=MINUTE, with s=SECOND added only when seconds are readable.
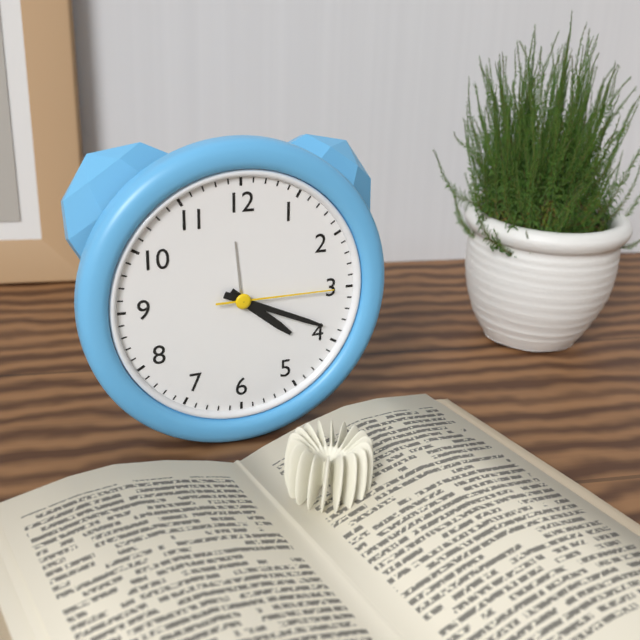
h=4 m=19 s=15
